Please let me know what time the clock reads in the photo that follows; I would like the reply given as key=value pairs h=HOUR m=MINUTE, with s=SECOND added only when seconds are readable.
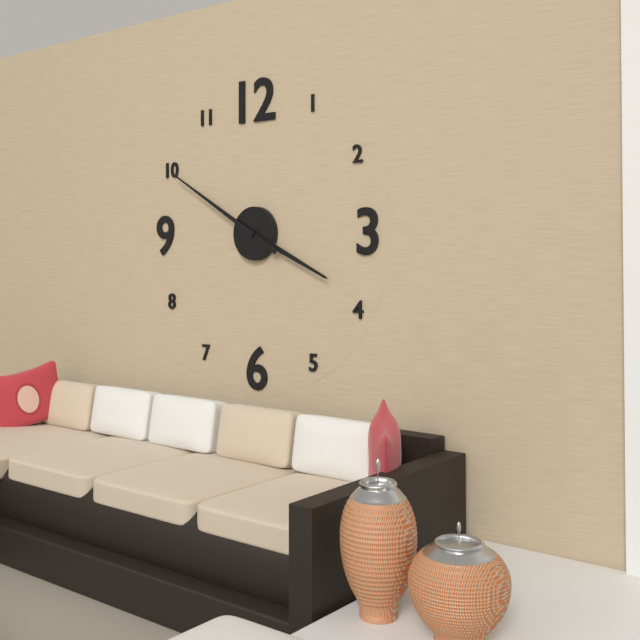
h=3 m=50
